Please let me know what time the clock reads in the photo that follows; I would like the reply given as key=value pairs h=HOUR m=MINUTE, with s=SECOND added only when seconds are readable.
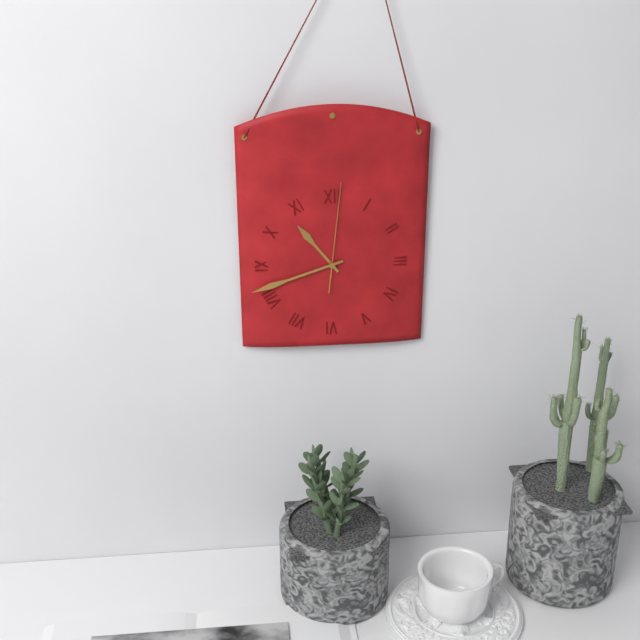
h=10 m=42 s=1
